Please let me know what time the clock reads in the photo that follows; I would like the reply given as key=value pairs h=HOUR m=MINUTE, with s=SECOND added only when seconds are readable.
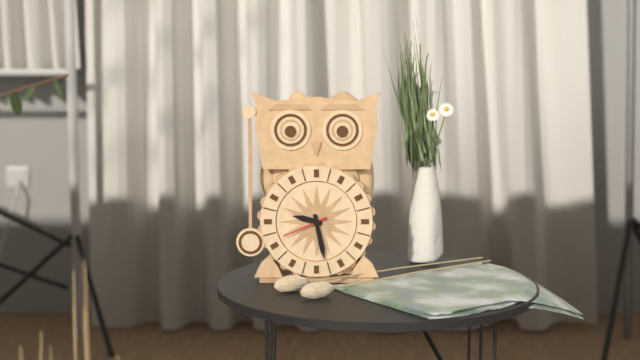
h=9 m=28
